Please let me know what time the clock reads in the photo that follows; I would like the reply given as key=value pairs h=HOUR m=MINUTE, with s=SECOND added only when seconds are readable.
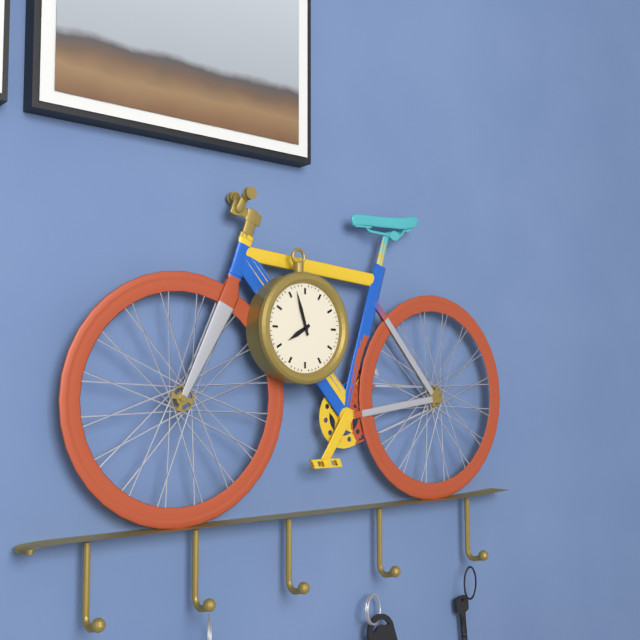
h=7 m=57
